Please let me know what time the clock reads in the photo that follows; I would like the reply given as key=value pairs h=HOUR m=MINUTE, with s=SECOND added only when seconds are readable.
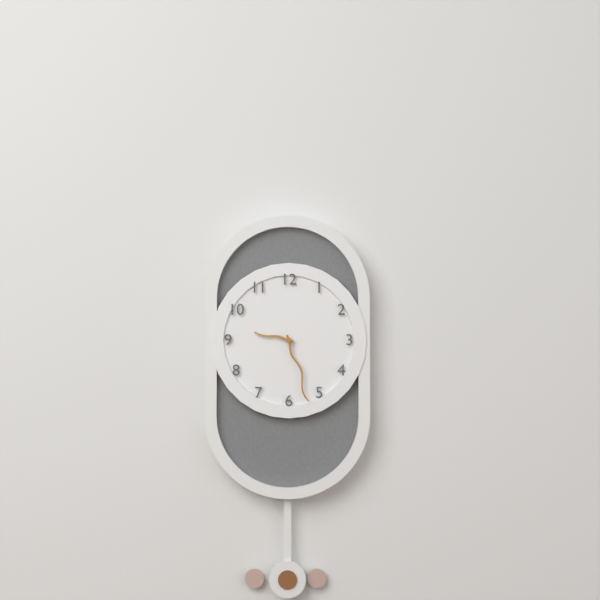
h=9 m=27
